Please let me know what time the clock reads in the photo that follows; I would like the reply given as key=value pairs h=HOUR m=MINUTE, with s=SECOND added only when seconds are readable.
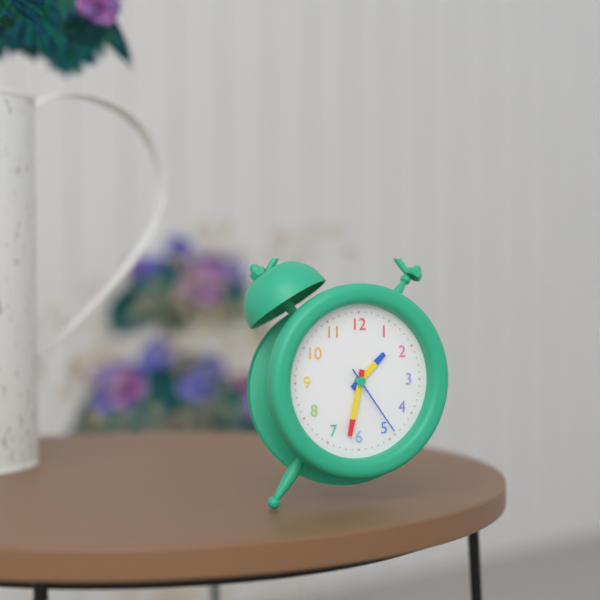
h=1 m=32 s=24
